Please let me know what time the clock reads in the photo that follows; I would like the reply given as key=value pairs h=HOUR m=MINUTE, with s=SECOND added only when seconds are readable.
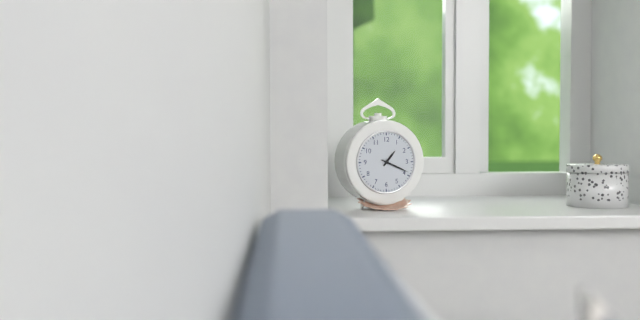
h=1 m=19
